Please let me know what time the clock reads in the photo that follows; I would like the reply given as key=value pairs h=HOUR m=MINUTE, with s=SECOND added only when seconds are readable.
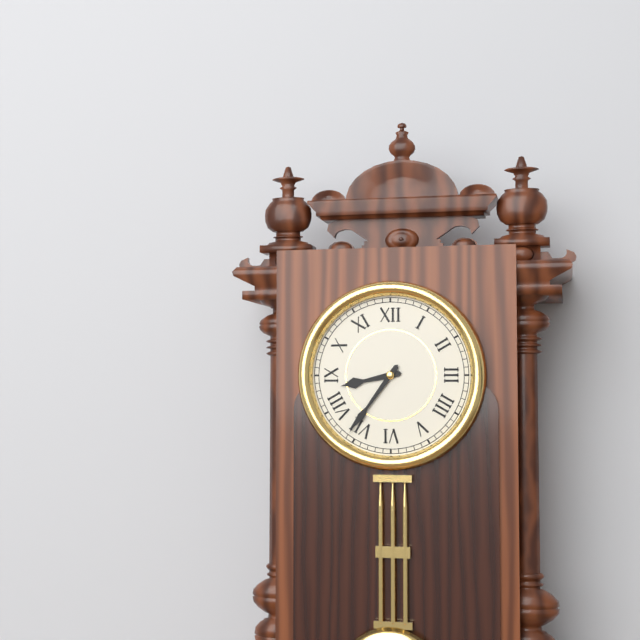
h=8 m=36
